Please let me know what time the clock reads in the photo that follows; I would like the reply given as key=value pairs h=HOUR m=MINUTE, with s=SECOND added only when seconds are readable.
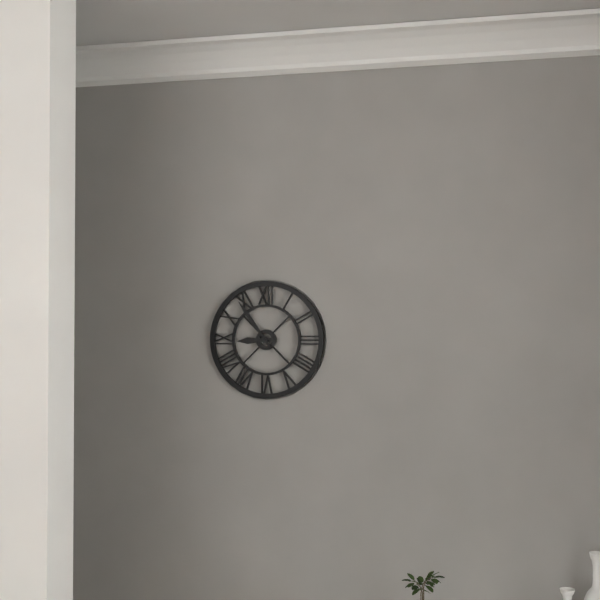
h=8 m=54
